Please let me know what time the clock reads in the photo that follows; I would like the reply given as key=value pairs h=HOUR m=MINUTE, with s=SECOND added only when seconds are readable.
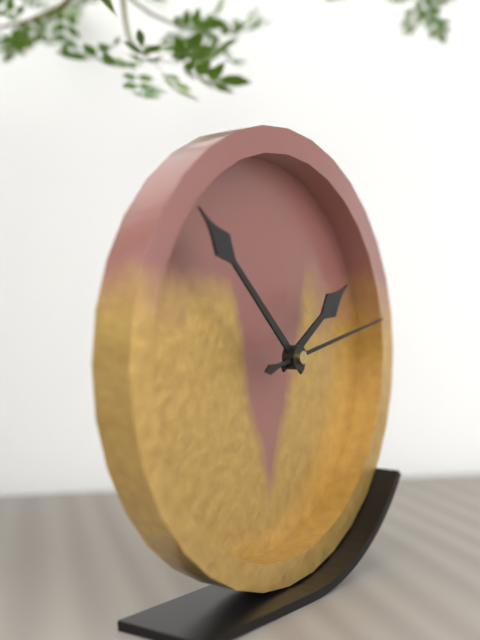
h=1 m=52 s=13
